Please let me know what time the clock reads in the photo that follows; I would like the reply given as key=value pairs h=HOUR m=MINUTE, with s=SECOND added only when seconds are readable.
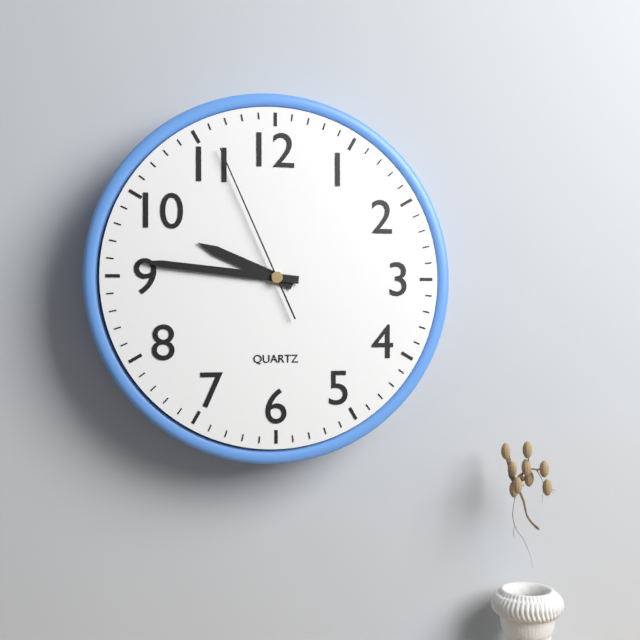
h=9 m=46 s=56
